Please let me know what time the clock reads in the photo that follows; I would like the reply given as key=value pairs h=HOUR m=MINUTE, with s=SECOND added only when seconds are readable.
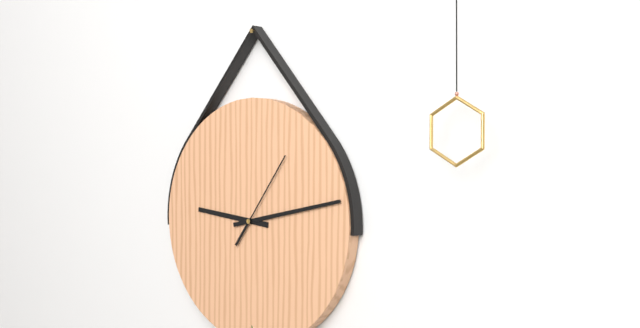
h=9 m=13 s=6
